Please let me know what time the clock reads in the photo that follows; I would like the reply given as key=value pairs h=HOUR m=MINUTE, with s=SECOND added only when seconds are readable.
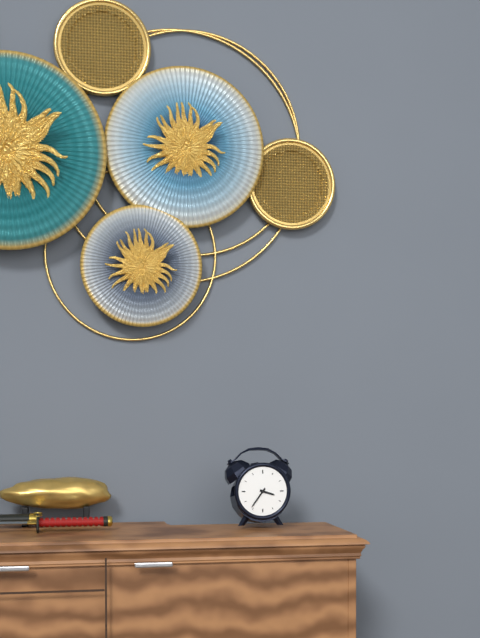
h=3 m=36
